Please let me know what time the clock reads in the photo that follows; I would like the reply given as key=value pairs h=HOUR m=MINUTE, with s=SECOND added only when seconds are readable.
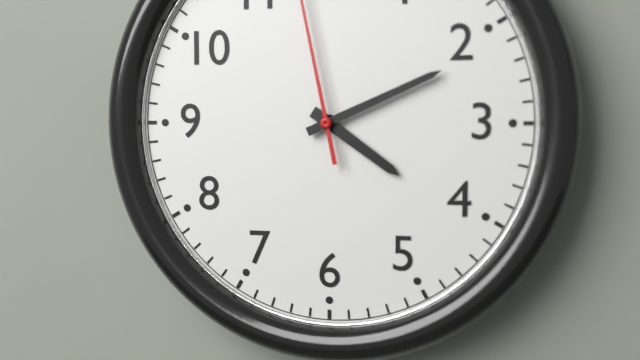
h=4 m=11
